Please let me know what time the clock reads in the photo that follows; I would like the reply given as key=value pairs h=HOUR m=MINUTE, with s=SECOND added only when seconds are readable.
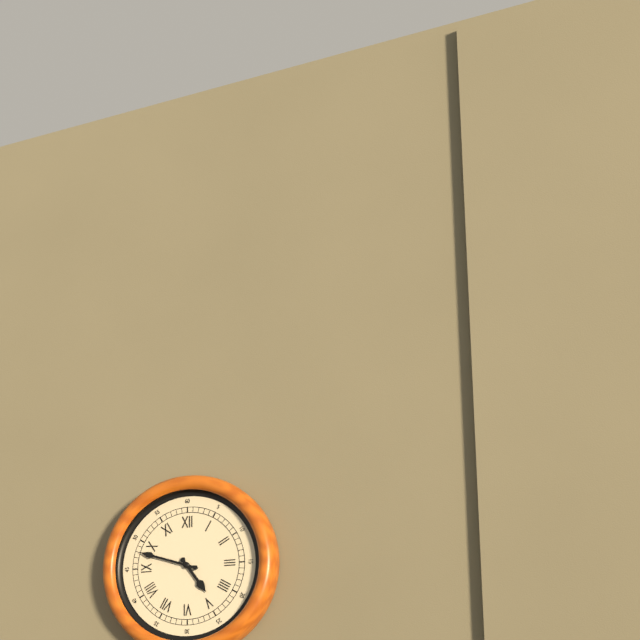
h=4 m=48
